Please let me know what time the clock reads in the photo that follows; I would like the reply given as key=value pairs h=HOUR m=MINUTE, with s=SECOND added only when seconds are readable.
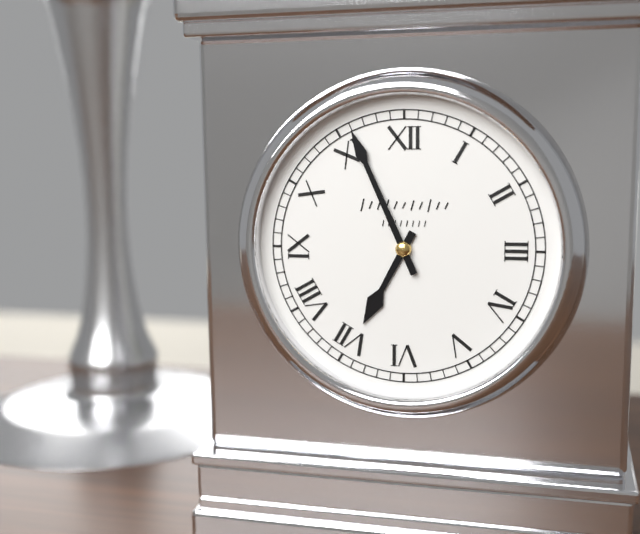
h=6 m=56
